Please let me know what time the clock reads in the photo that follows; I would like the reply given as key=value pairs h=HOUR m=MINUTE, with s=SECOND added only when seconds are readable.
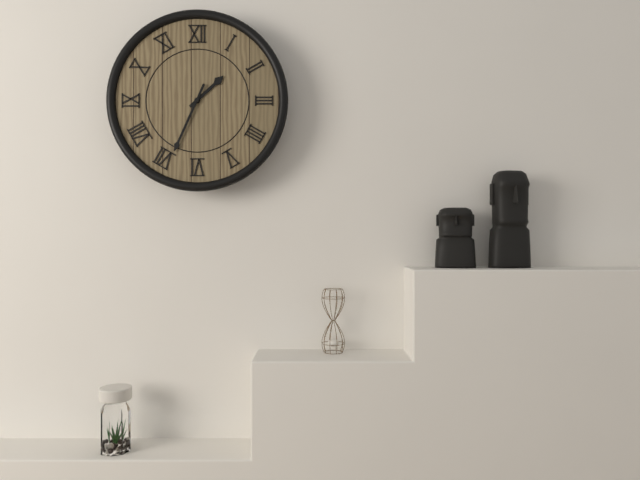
h=1 m=34
